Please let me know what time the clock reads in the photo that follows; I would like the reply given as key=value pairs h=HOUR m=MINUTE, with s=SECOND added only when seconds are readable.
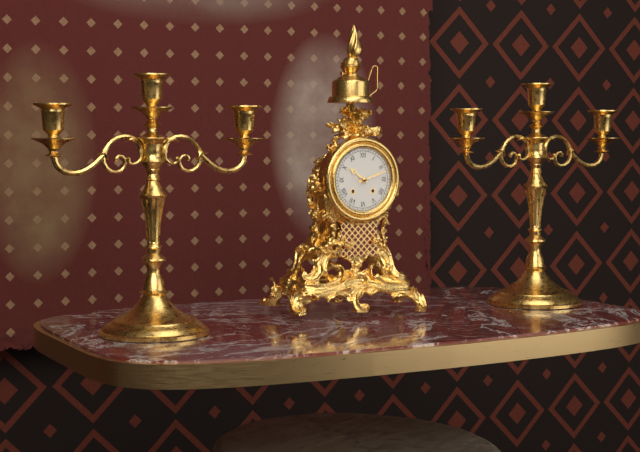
h=10 m=12
